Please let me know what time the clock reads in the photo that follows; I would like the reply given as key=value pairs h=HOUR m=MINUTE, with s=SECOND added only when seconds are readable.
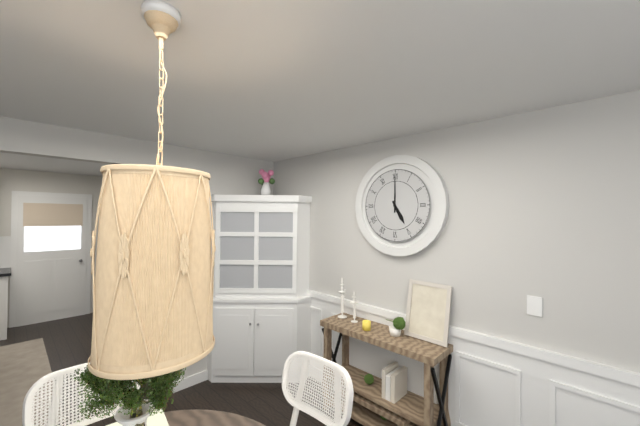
h=5 m=0
